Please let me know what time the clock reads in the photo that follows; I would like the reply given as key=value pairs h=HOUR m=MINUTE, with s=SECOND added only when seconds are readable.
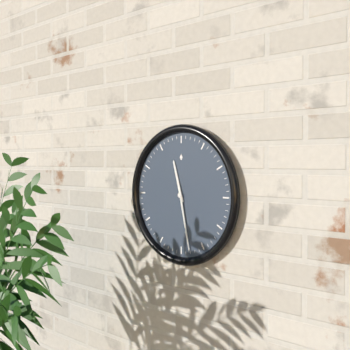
h=11 m=28
